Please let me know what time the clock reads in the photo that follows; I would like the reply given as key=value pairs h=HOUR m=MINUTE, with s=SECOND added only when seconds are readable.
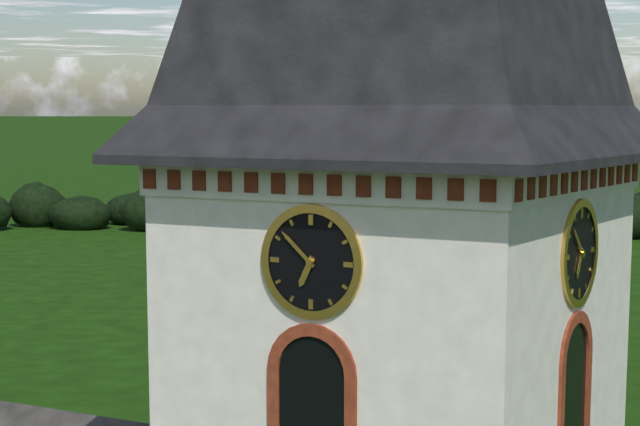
h=6 m=52
